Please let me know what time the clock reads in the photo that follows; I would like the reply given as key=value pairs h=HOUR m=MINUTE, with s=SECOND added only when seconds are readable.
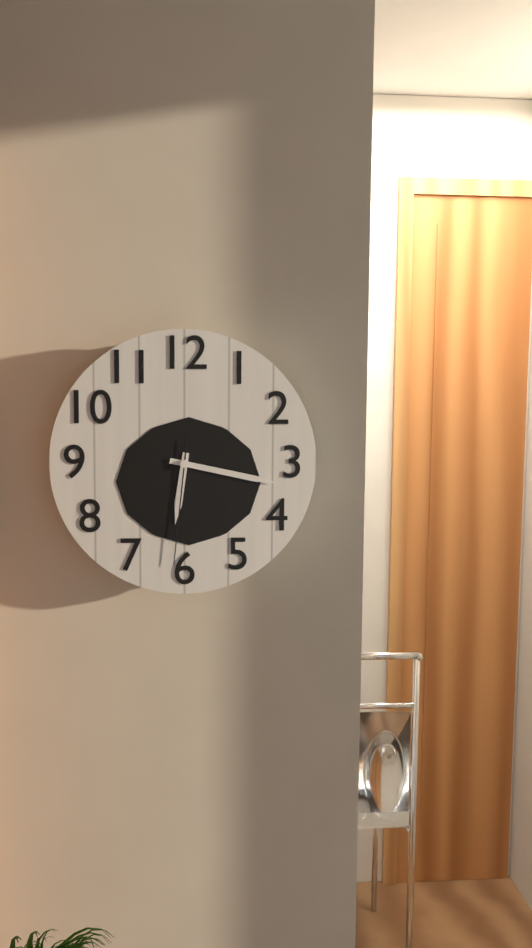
h=6 m=17 s=31
